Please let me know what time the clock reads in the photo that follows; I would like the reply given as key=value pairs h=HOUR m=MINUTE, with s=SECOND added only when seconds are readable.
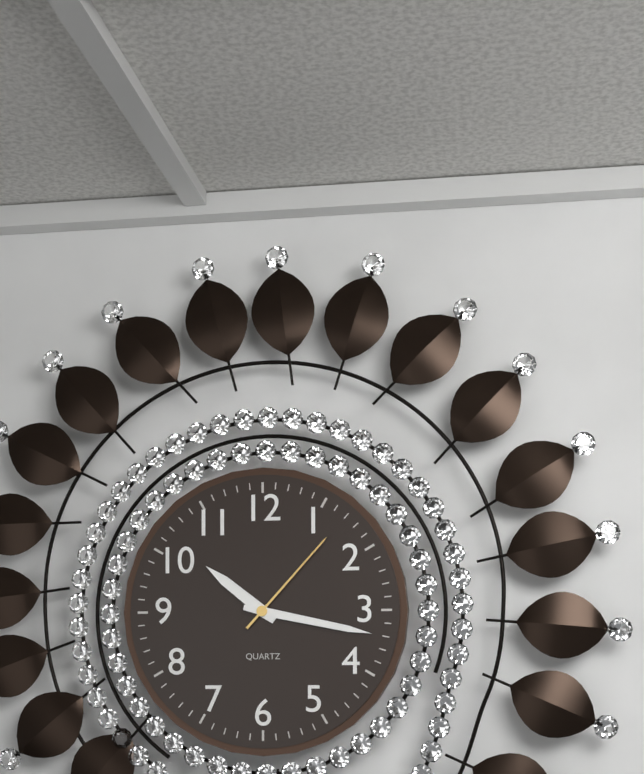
h=10 m=17 s=7
